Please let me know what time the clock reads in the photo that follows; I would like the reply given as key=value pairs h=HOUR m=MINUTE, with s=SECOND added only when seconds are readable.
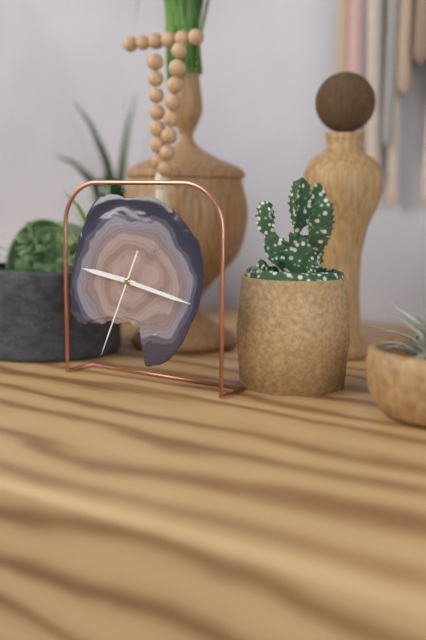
h=9 m=17 s=34
